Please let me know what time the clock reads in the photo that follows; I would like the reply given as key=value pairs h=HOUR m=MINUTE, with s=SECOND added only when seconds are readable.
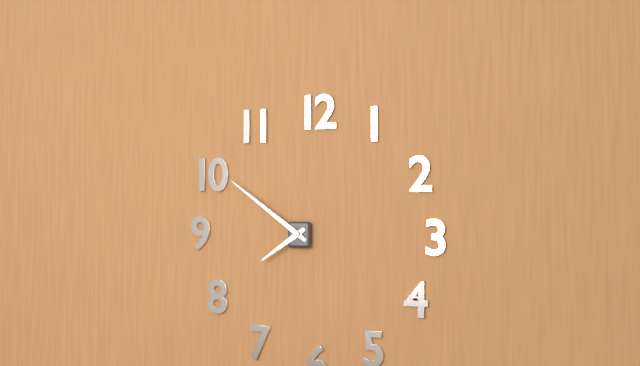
h=7 m=51
